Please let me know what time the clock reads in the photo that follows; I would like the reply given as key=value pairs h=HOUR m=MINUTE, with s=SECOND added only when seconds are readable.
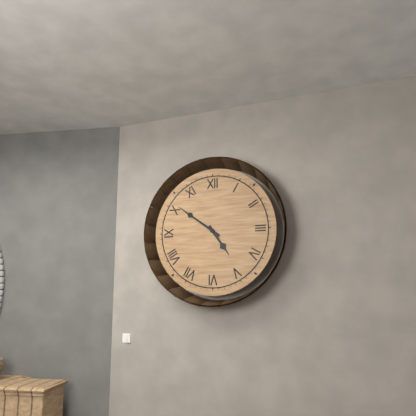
h=4 m=51
